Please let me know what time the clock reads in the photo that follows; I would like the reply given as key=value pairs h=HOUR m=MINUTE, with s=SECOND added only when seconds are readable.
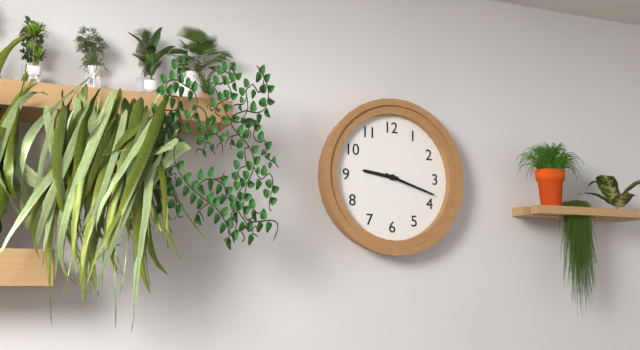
h=9 m=18
